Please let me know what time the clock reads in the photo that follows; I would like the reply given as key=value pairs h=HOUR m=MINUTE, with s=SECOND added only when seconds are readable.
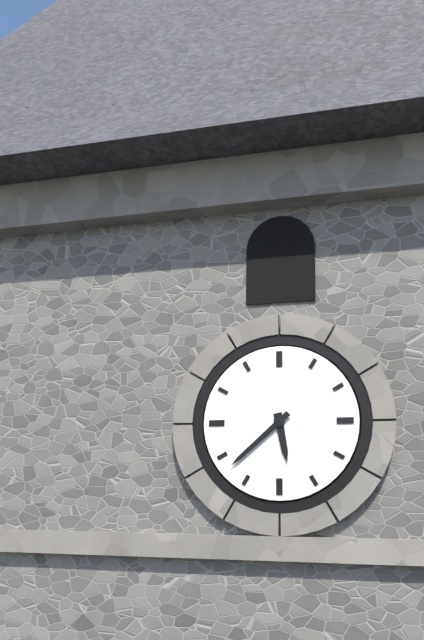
h=5 m=38
